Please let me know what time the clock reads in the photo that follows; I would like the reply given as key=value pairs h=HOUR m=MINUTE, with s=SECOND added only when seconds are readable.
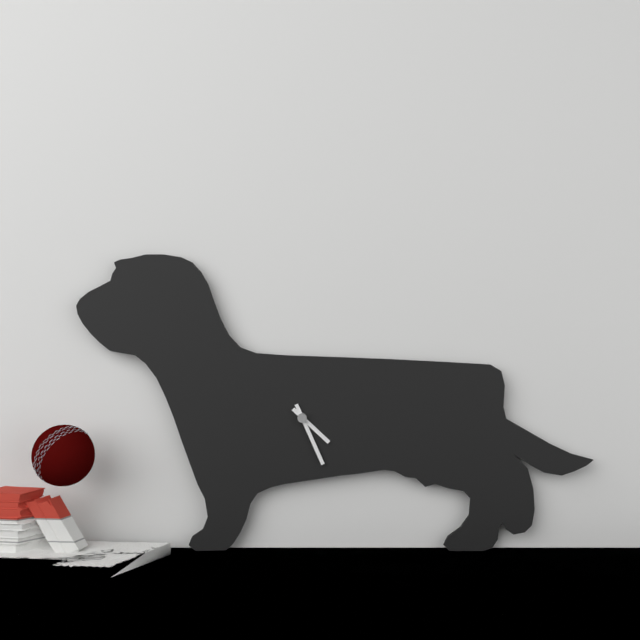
h=4 m=26
